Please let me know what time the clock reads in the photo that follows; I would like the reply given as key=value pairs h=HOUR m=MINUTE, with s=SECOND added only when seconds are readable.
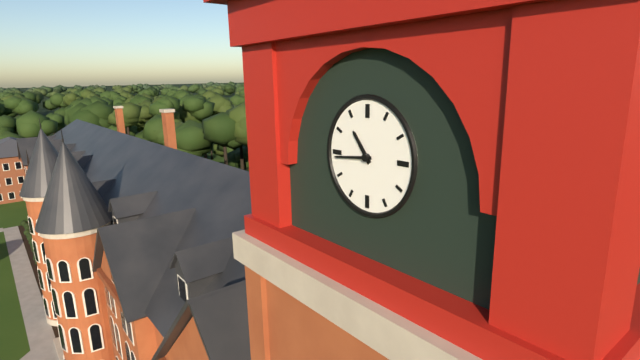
h=10 m=44
